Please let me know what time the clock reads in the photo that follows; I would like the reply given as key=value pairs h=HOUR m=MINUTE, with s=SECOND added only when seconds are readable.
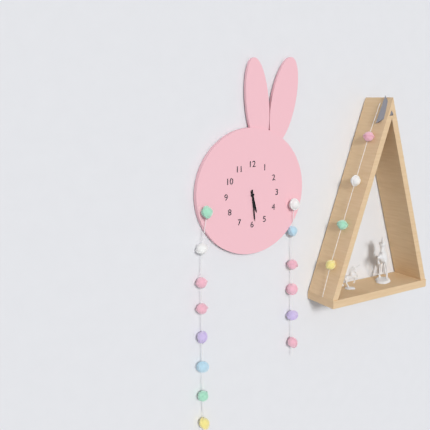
h=5 m=29
